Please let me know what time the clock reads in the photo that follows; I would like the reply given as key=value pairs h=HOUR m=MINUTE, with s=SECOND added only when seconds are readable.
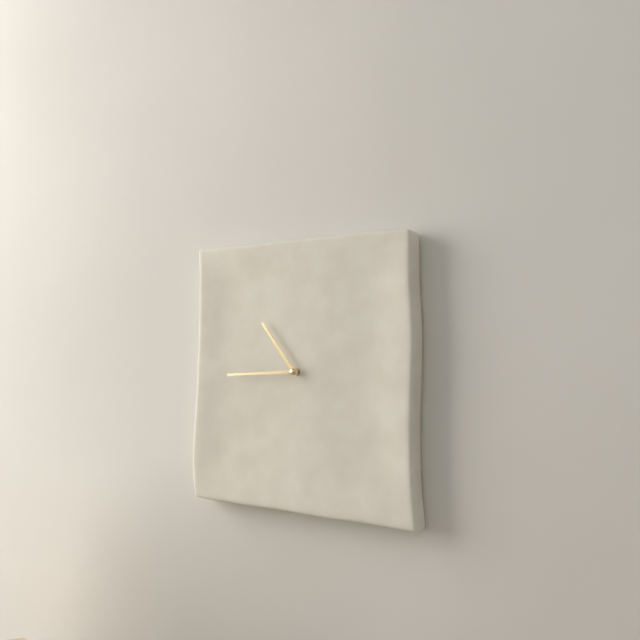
h=10 m=45
